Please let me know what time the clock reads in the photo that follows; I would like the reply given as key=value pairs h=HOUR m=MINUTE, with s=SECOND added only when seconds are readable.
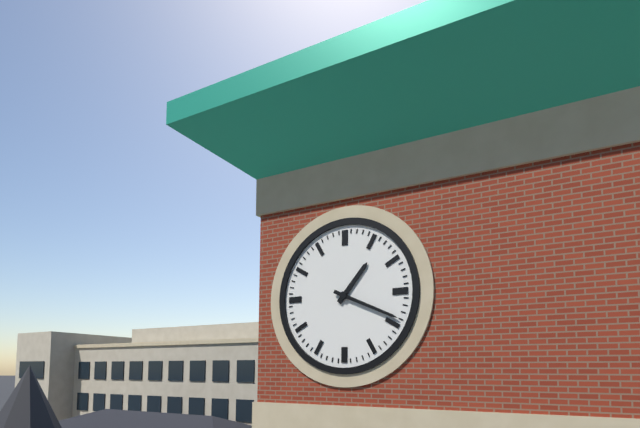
h=1 m=19
